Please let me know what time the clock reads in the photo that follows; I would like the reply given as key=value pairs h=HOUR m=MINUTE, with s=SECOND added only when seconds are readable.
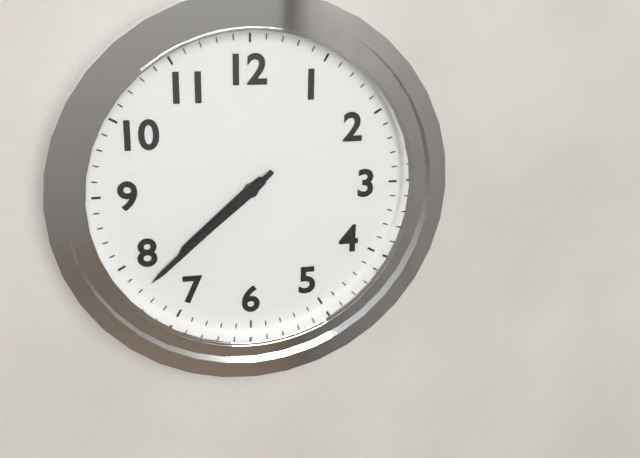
h=7 m=38
